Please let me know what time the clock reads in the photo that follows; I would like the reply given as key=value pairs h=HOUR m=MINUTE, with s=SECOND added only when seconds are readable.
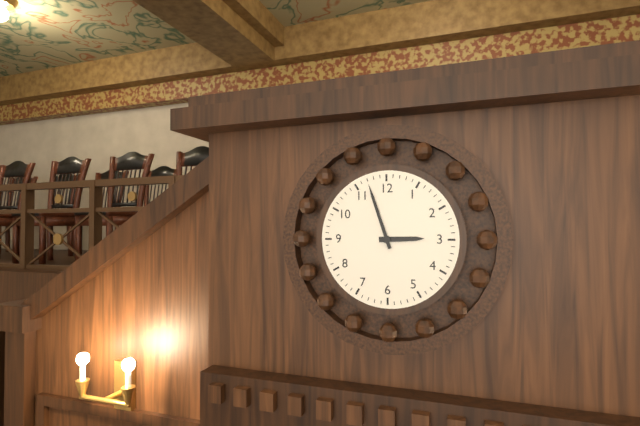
h=2 m=57
